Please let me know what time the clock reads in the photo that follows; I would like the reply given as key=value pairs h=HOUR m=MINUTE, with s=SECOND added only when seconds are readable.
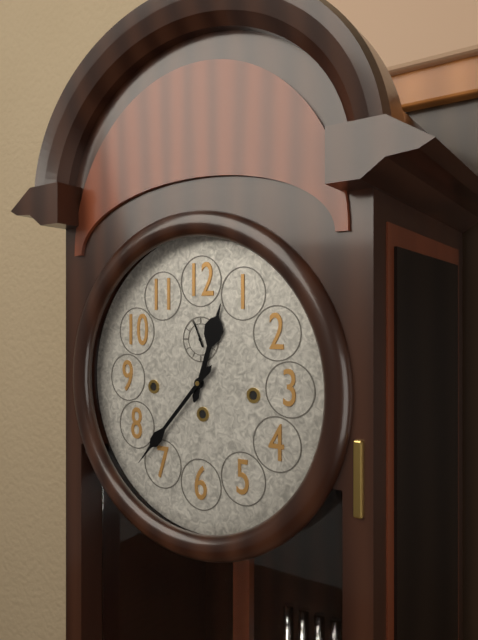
h=12 m=37
